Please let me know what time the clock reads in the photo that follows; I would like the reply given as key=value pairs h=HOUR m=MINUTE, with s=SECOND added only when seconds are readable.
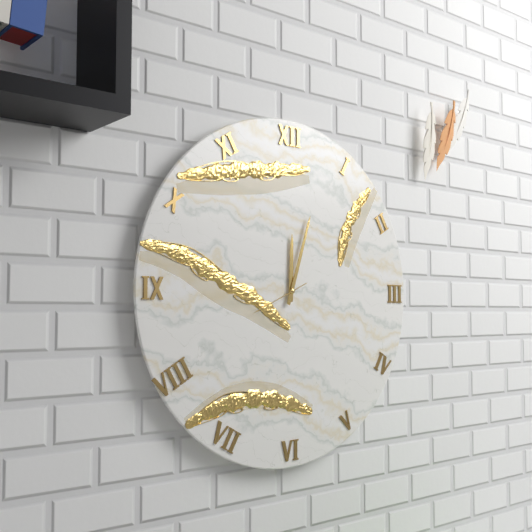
h=12 m=3
